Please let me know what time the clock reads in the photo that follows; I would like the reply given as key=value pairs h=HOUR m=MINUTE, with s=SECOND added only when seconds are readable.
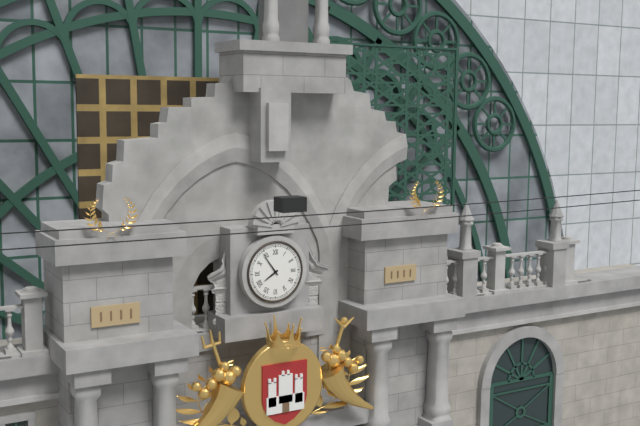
h=7 m=54
